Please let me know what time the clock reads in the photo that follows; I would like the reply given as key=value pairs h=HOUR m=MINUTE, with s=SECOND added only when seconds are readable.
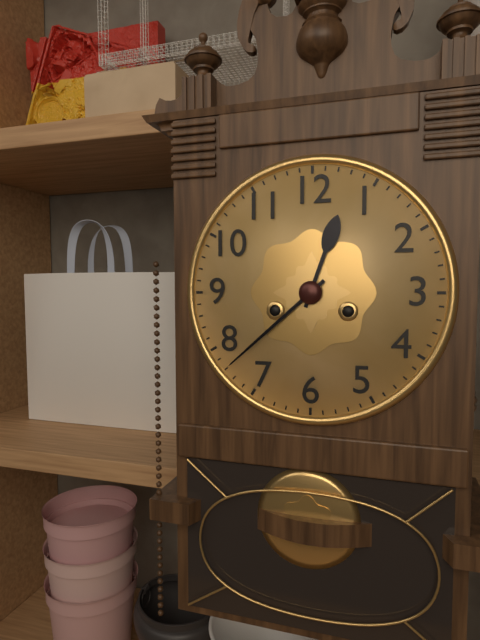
h=12 m=38
